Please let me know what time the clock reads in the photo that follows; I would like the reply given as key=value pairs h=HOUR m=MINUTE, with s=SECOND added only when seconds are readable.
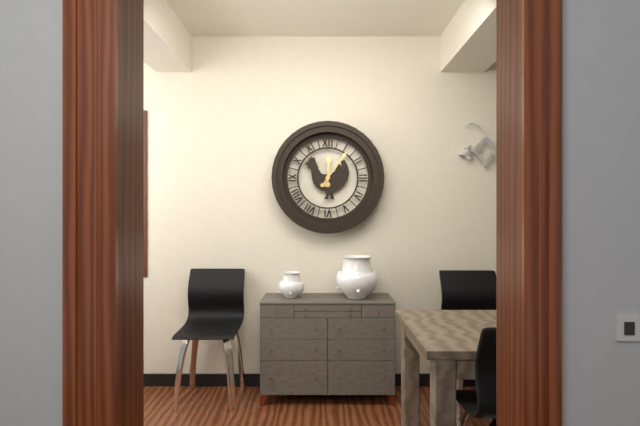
h=12 m=6
